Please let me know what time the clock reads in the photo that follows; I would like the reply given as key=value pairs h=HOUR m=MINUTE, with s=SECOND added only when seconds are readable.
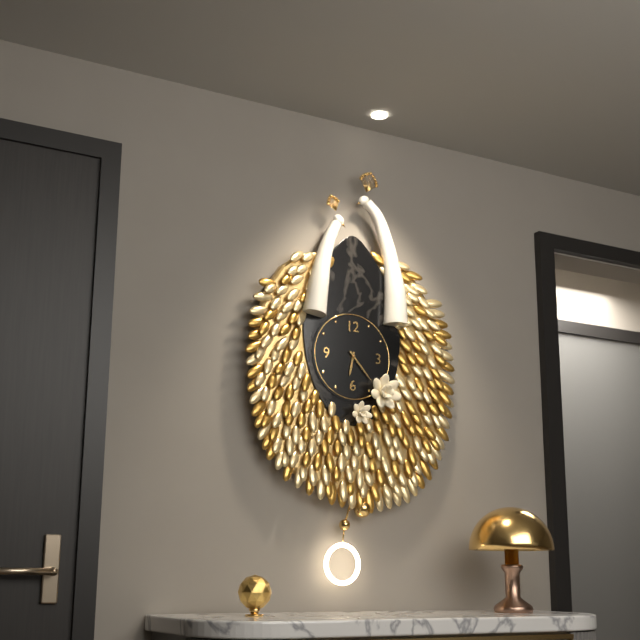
h=6 m=23
